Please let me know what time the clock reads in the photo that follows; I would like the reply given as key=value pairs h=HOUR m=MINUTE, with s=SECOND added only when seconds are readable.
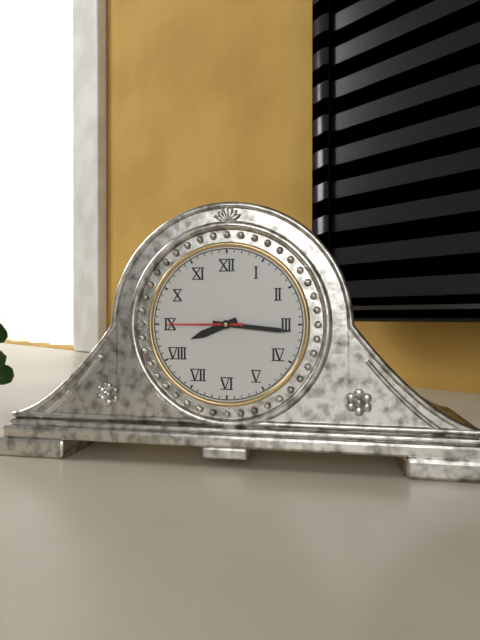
h=8 m=16 s=45
